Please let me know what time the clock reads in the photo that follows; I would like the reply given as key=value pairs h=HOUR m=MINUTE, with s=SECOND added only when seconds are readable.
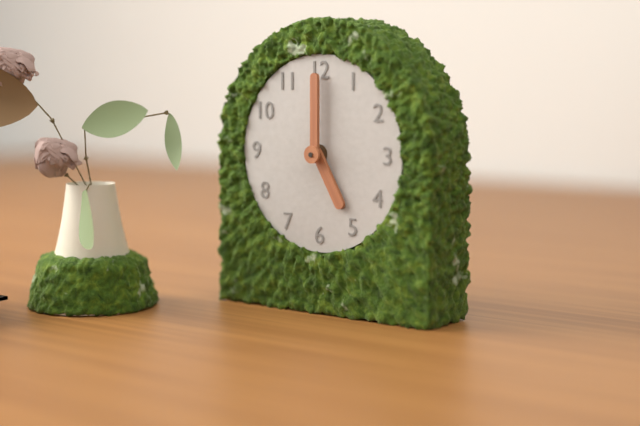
h=5 m=0
